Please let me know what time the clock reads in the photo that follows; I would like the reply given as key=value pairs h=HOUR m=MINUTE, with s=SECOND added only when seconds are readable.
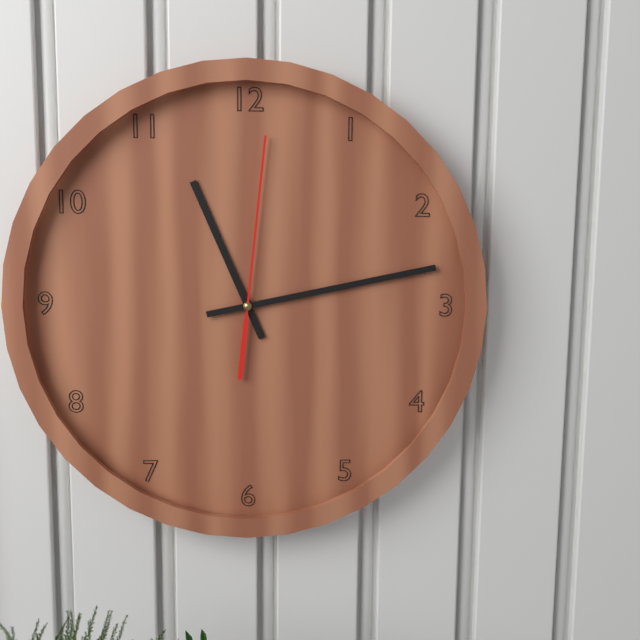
h=11 m=13 s=1
